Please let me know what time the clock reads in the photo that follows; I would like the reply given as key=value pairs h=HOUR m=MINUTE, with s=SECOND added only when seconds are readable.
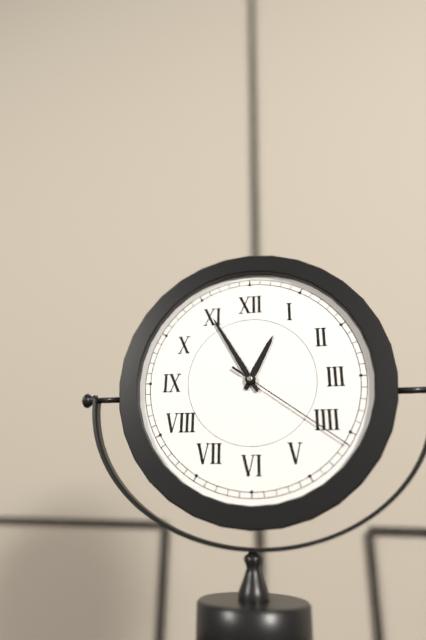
h=12 m=55 s=21
